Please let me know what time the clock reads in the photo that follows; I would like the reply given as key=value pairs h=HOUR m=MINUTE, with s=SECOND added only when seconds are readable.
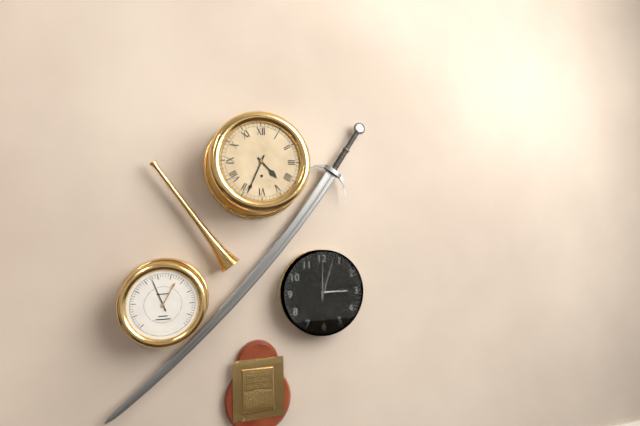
h=4 m=34
